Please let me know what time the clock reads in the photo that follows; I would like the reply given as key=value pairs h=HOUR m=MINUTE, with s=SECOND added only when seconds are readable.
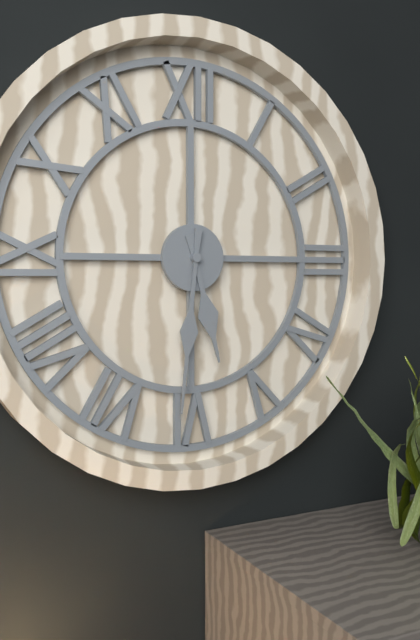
h=5 m=31
